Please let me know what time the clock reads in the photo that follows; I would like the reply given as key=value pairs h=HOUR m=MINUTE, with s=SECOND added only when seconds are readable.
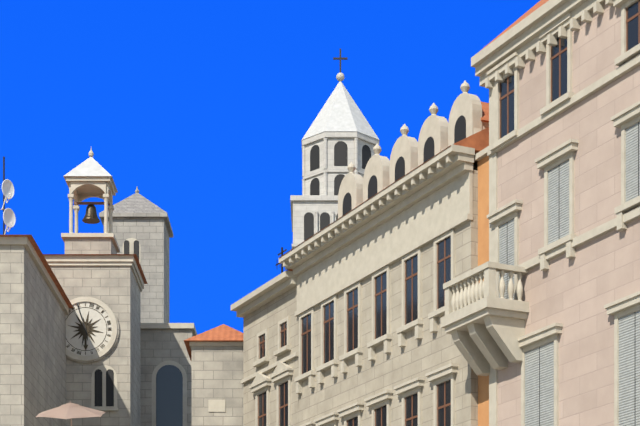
h=5 m=57
